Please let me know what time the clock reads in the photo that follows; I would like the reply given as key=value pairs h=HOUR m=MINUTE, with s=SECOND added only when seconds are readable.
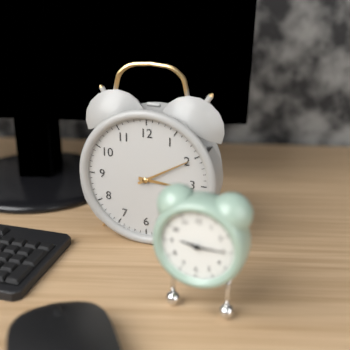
h=3 m=10
